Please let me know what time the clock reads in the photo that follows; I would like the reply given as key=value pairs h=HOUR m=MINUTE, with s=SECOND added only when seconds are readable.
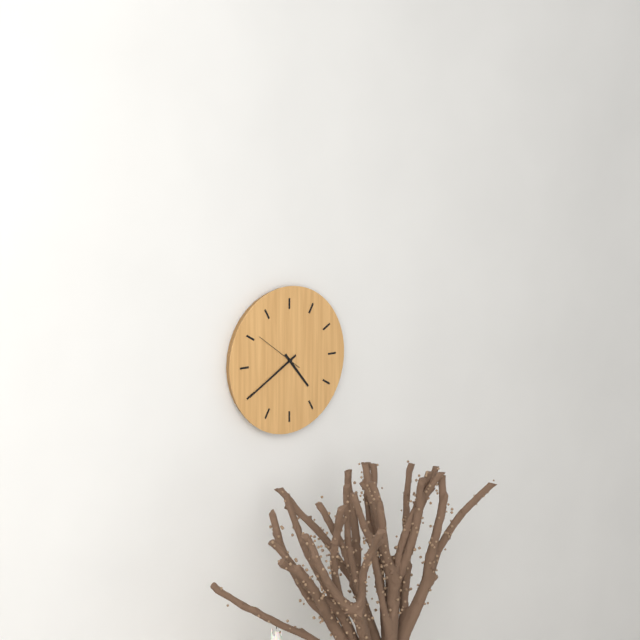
h=4 m=40
